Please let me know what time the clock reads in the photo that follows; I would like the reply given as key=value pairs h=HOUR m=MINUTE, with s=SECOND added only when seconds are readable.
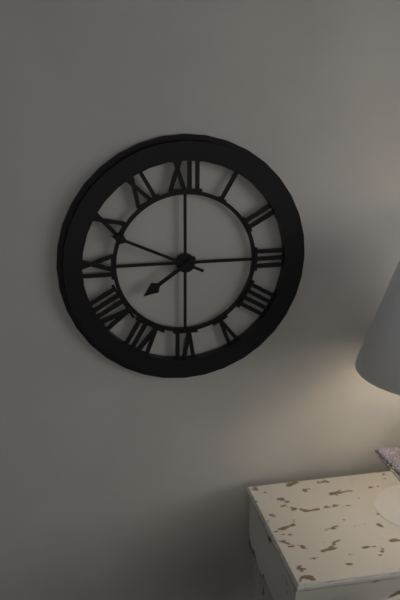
h=7 m=49
